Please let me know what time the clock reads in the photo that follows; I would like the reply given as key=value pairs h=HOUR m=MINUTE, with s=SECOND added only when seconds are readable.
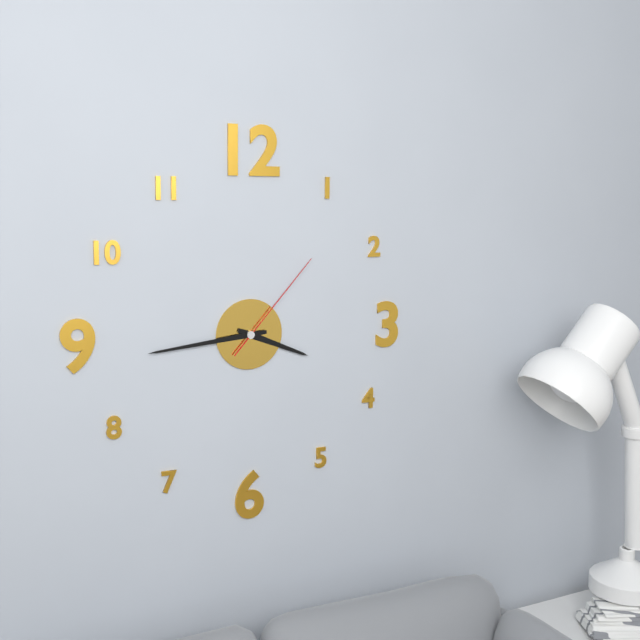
h=3 m=44 s=7
